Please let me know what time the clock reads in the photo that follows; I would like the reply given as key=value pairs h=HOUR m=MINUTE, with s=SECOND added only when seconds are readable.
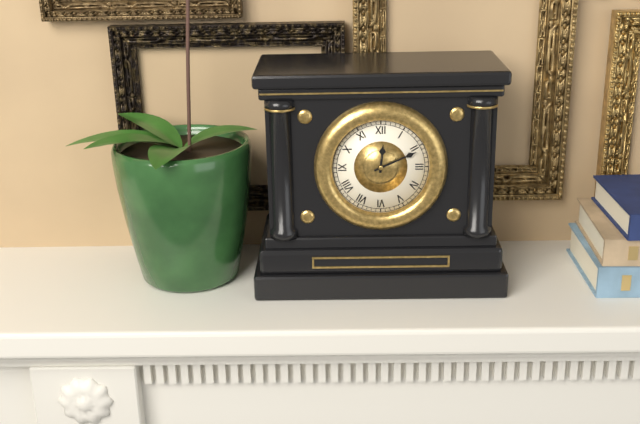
h=12 m=11
